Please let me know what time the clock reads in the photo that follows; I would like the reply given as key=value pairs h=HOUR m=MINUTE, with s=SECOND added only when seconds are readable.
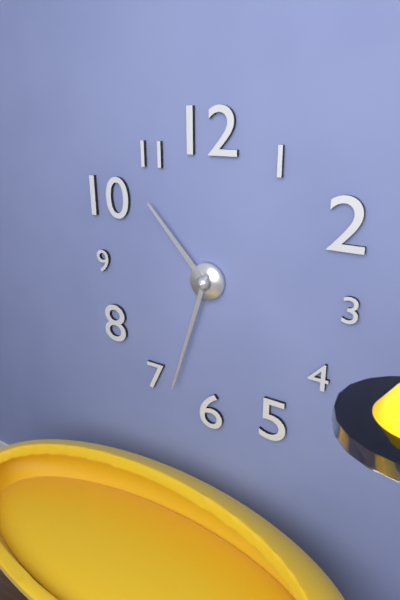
h=10 m=33
